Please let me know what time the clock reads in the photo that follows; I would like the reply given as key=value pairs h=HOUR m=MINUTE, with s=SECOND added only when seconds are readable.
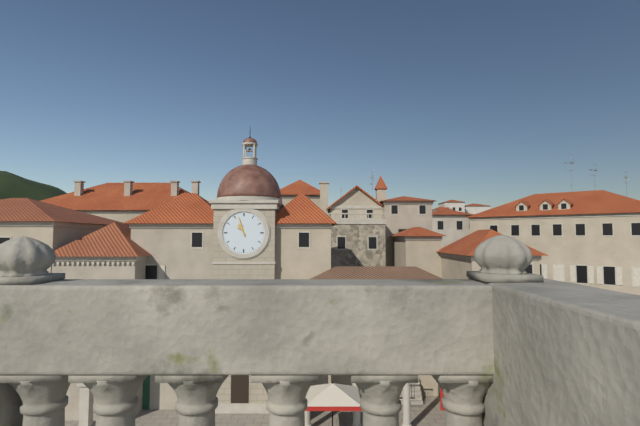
h=10 m=57
